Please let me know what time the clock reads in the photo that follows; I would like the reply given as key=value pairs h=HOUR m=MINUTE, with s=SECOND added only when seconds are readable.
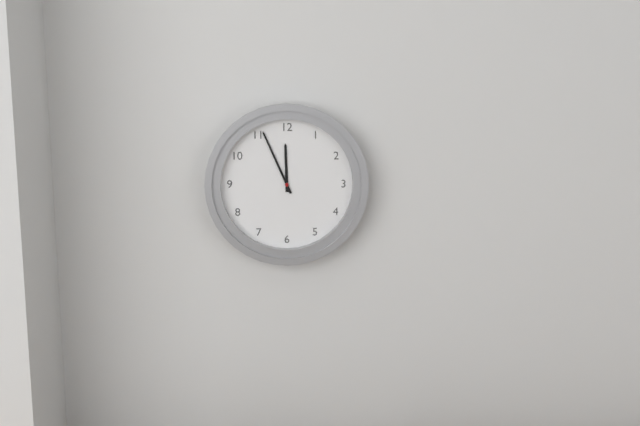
h=11 m=56
